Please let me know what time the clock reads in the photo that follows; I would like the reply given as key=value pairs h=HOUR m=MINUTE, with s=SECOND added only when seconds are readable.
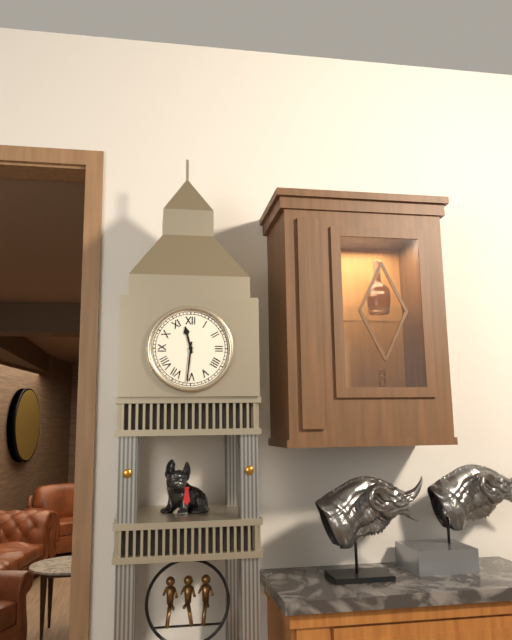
h=11 m=31
